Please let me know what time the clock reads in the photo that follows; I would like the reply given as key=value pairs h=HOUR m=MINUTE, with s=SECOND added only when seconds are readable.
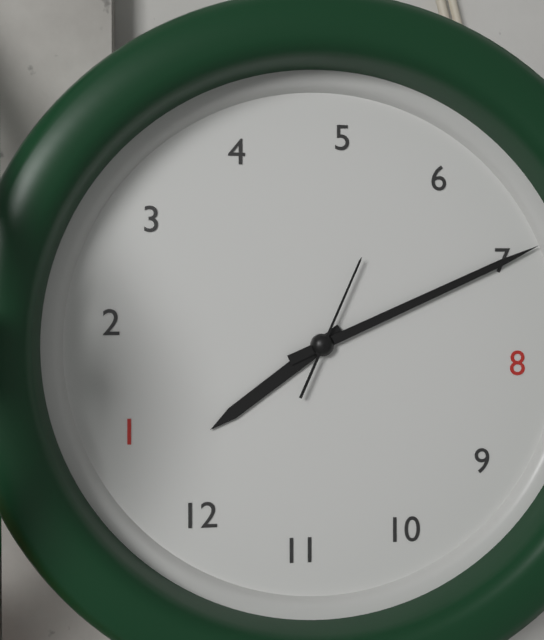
h=12 m=35 s=28
